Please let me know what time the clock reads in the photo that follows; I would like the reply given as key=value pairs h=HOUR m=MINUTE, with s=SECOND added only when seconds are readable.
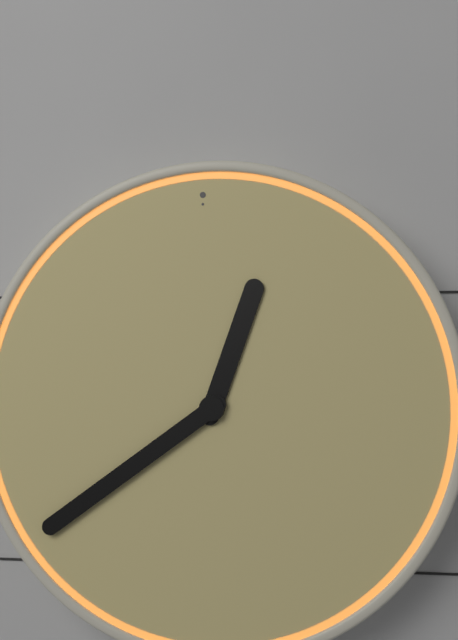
h=12 m=39
